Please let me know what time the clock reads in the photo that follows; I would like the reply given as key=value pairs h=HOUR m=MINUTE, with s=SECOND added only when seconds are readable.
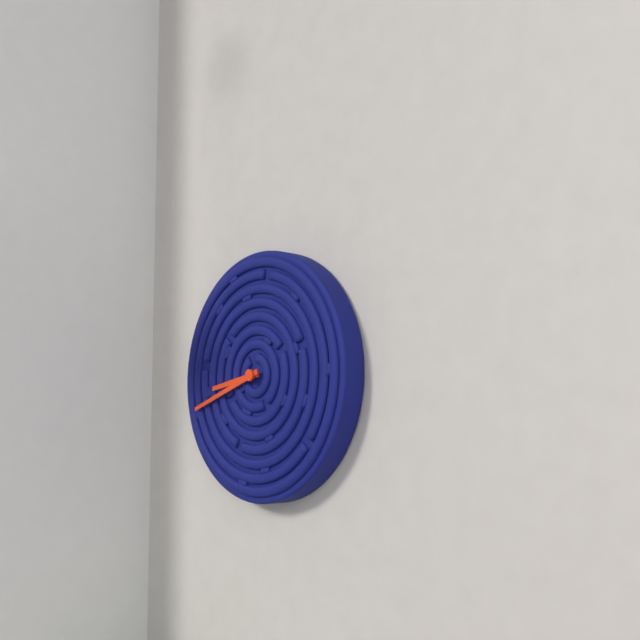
h=8 m=42
